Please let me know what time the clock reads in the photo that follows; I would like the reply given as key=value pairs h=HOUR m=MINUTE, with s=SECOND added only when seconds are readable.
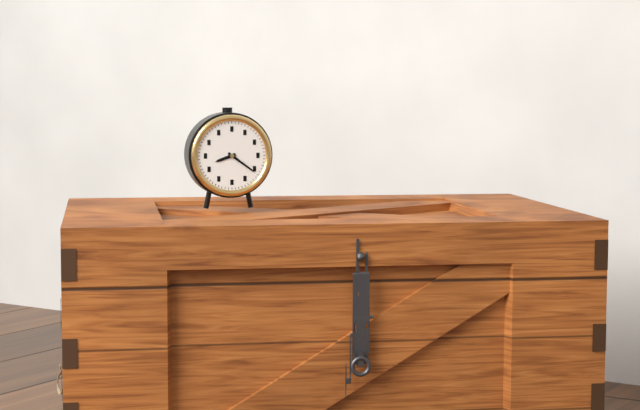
h=8 m=21
